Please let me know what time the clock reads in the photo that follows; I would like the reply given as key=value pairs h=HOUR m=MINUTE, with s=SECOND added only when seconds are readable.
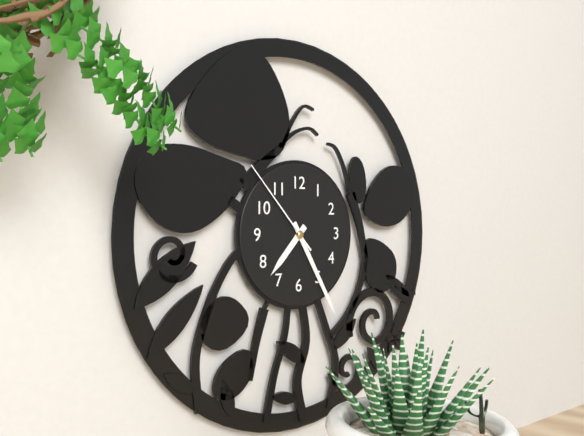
h=7 m=25 s=53
